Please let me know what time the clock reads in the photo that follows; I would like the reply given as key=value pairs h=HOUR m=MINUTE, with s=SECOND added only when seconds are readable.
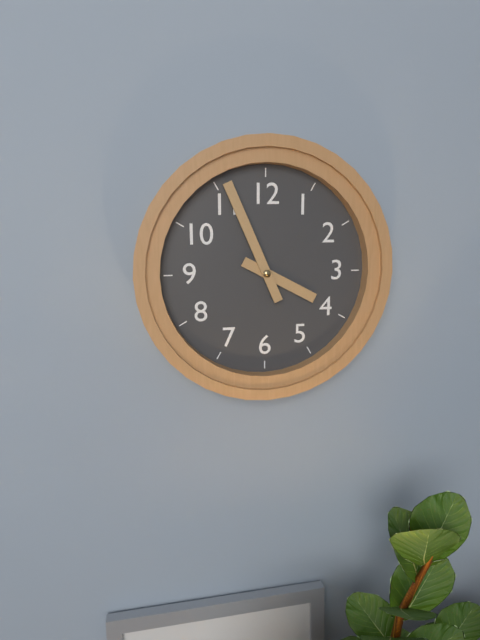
h=3 m=56
